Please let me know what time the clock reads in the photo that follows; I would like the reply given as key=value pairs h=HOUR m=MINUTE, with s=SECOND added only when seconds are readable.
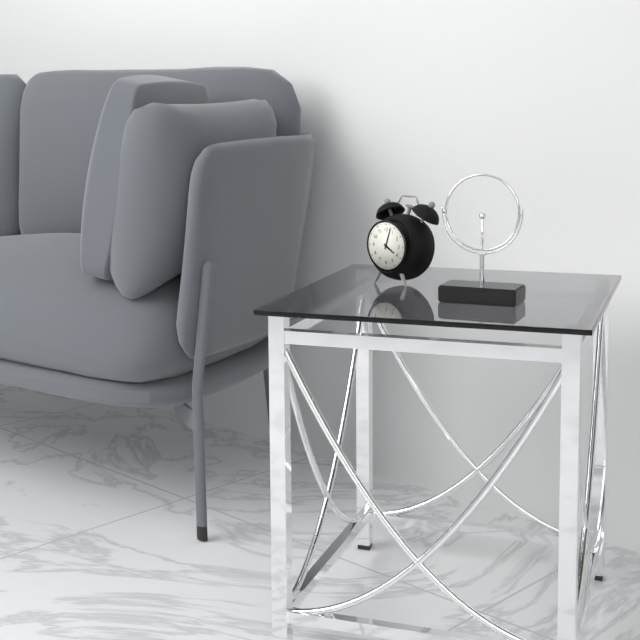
h=4 m=3
